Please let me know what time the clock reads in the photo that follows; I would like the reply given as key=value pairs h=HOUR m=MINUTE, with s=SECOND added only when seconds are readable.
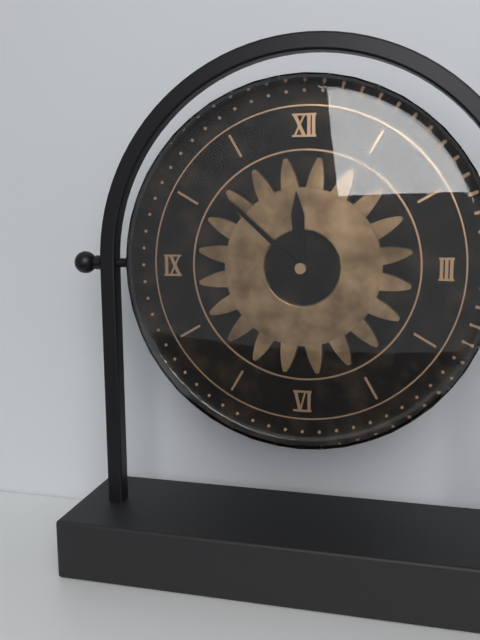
h=11 m=52
